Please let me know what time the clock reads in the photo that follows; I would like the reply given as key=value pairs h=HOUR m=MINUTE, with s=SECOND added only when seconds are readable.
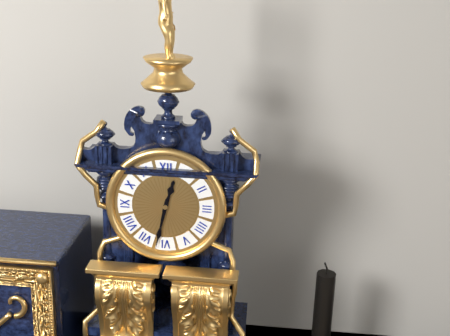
h=12 m=32
